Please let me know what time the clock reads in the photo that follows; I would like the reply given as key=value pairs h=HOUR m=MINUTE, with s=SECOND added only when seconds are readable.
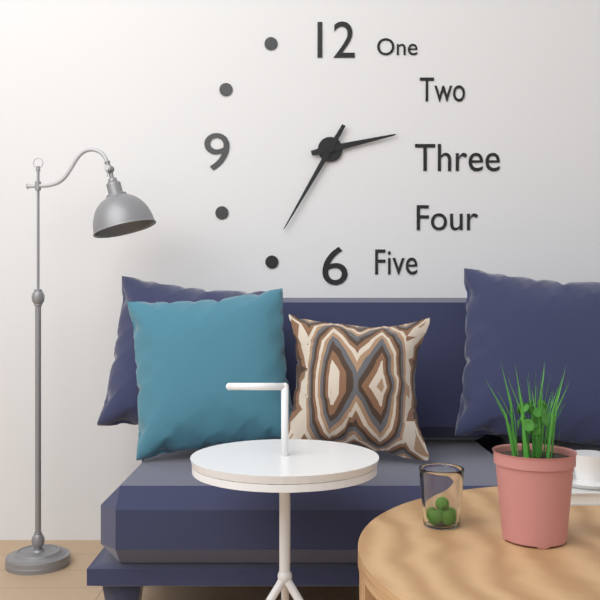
h=2 m=35
